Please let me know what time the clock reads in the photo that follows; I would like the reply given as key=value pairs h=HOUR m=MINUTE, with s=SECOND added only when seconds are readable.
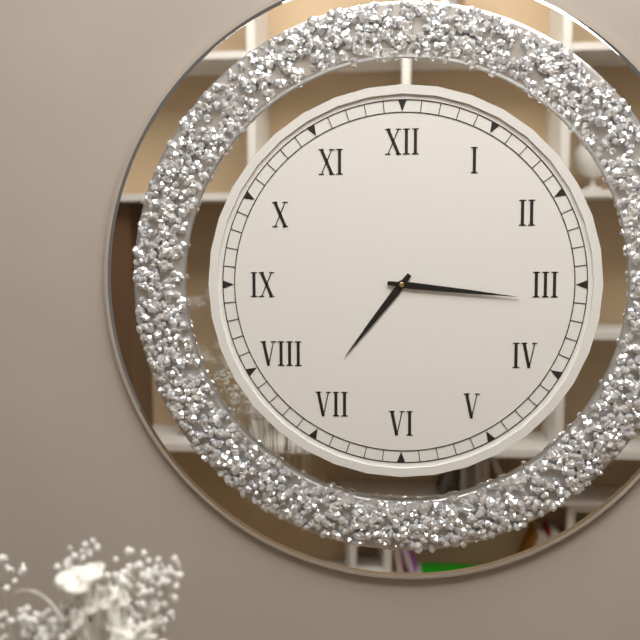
h=7 m=16
